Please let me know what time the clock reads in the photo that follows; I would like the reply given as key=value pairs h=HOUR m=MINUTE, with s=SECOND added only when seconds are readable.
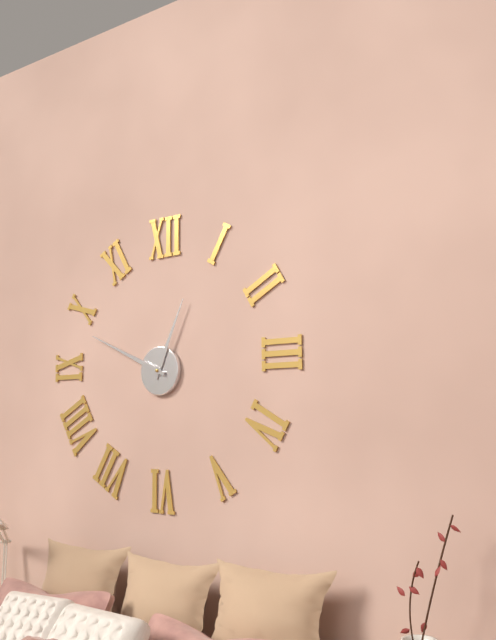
h=12 m=49
